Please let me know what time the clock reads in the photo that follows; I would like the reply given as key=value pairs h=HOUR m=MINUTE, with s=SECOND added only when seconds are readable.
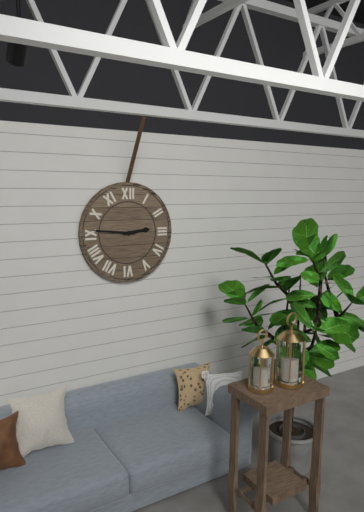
h=2 m=46
